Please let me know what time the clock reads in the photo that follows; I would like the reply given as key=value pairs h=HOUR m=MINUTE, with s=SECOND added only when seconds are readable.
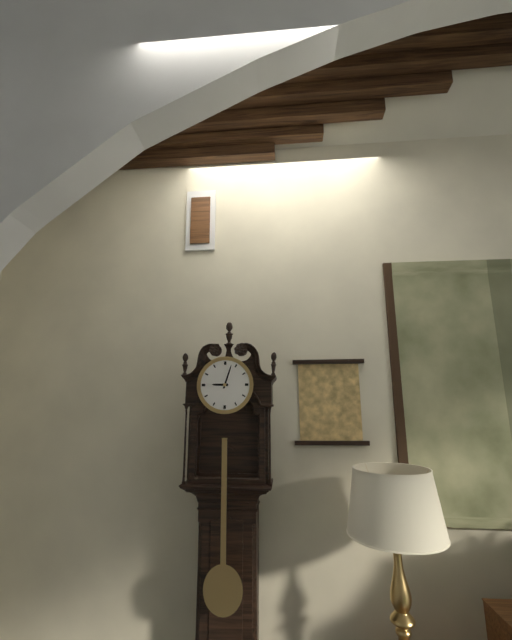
h=9 m=3
